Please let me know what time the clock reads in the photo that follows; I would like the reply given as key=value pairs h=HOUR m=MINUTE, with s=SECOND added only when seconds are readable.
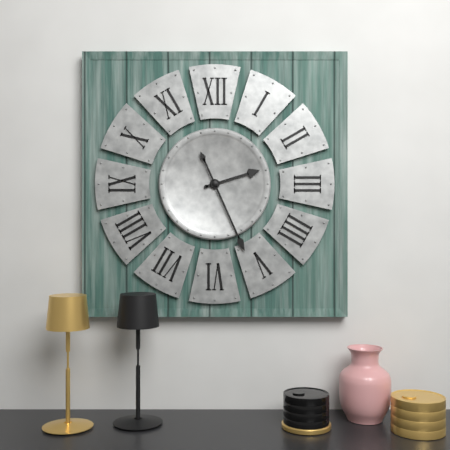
h=2 m=26
